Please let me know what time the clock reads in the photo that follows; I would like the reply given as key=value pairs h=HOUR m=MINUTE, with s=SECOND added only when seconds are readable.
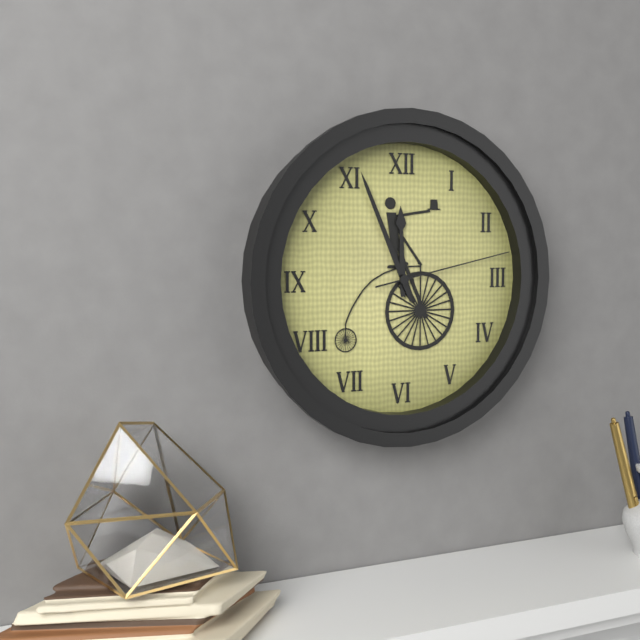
h=11 m=56 s=13
